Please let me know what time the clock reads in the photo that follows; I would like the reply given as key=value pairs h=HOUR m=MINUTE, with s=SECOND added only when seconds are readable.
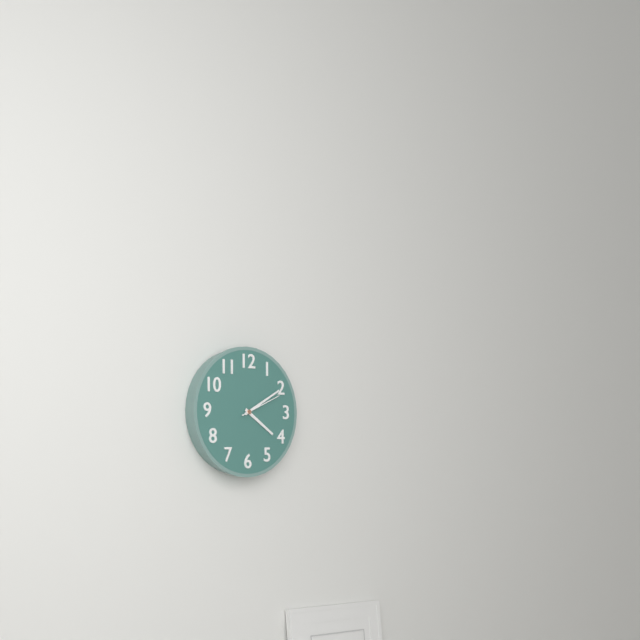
h=4 m=10
